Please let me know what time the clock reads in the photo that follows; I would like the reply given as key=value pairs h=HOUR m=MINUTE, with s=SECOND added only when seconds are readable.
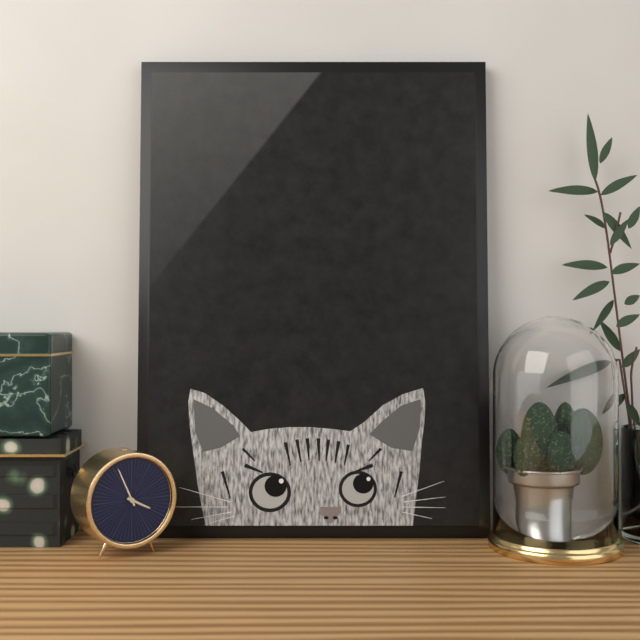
h=3 m=56
